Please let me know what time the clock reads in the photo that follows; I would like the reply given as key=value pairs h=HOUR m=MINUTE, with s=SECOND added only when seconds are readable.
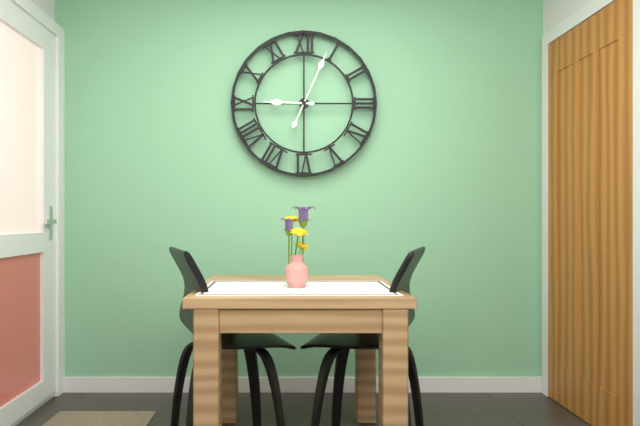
h=9 m=4
